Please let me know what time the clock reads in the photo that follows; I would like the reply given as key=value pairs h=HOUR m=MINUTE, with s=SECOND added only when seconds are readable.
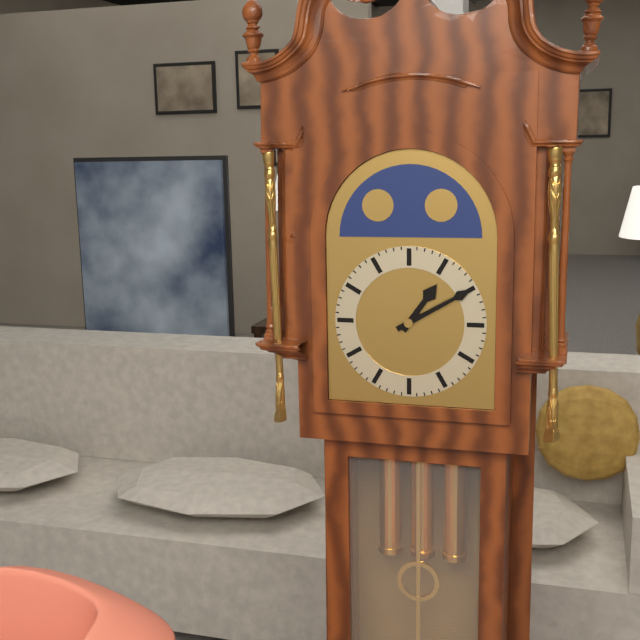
h=1 m=10
